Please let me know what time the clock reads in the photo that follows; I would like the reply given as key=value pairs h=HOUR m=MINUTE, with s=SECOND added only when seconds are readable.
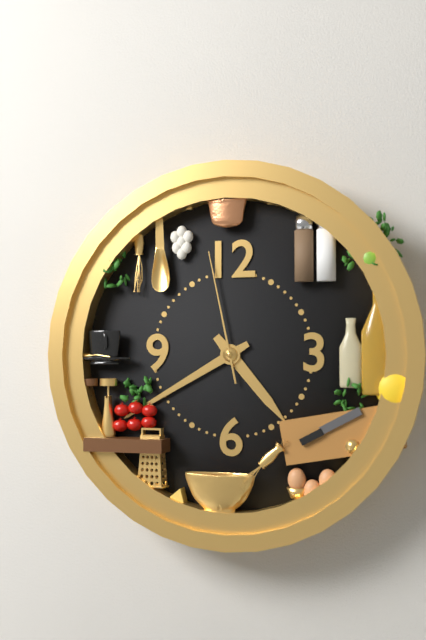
h=4 m=40 s=58
